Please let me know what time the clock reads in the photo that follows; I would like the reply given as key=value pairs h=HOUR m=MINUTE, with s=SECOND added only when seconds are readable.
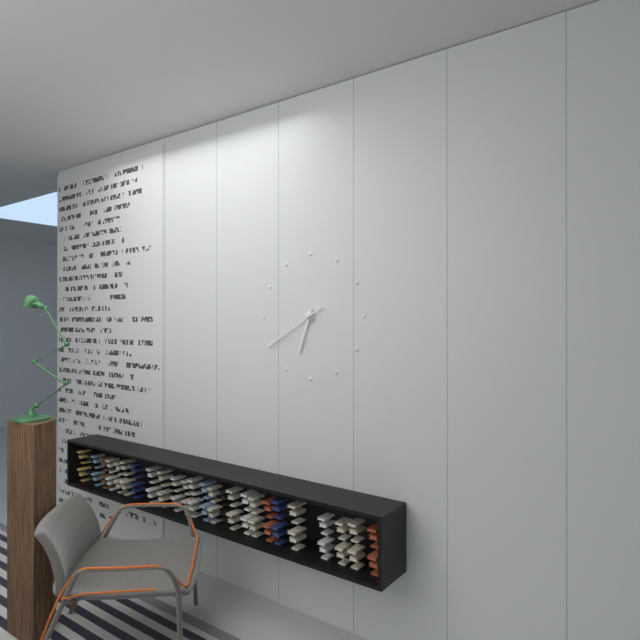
h=6 m=40
